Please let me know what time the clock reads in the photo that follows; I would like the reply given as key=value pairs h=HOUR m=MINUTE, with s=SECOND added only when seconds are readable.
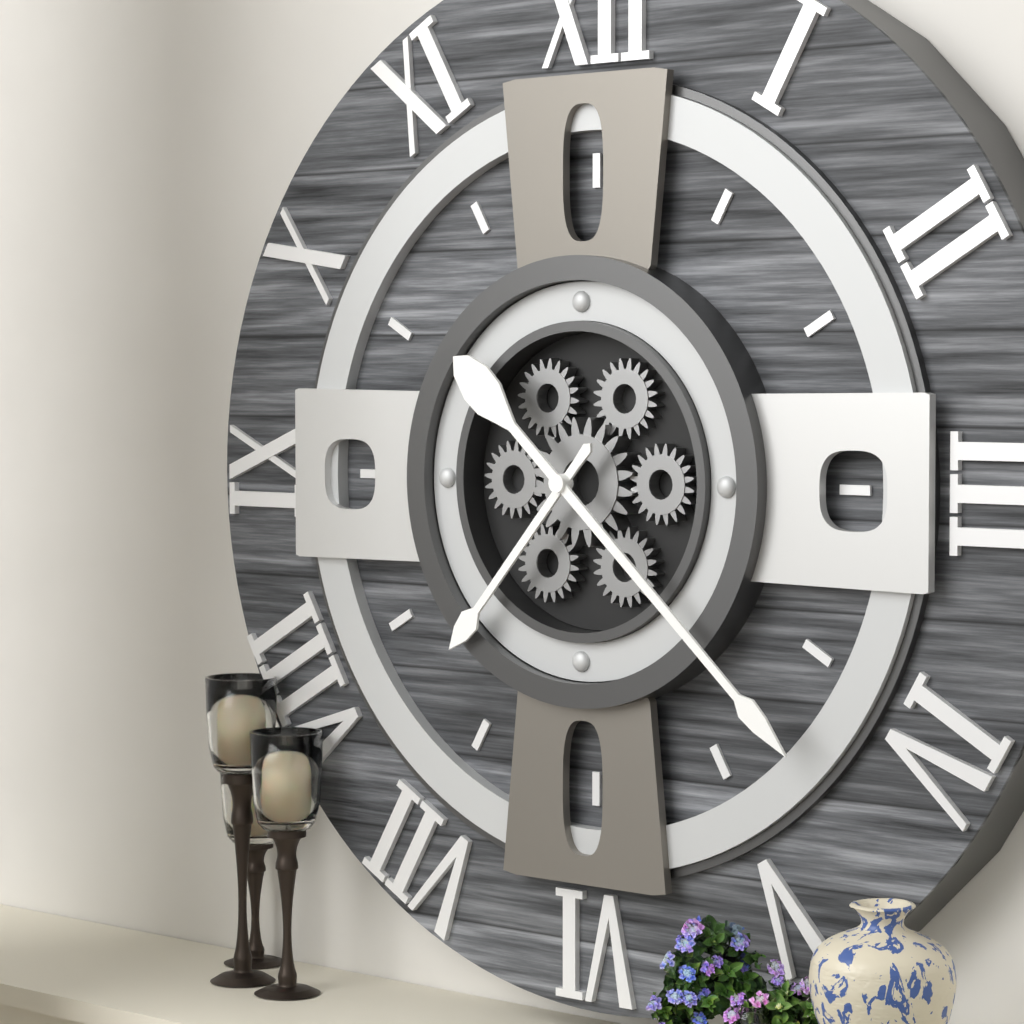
h=7 m=22
